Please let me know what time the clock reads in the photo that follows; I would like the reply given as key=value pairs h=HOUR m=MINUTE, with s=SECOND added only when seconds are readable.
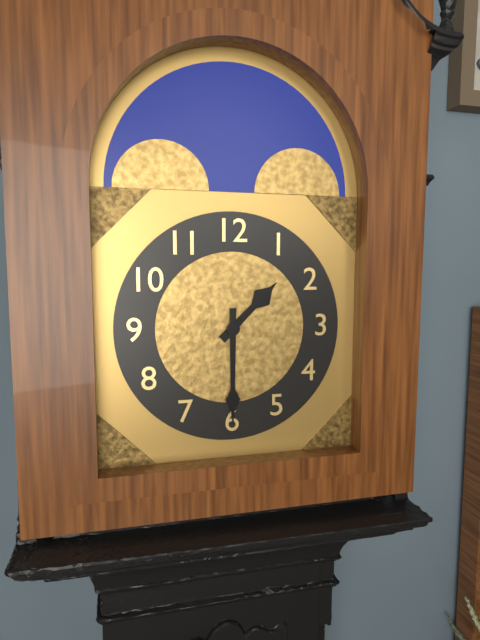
h=1 m=30
